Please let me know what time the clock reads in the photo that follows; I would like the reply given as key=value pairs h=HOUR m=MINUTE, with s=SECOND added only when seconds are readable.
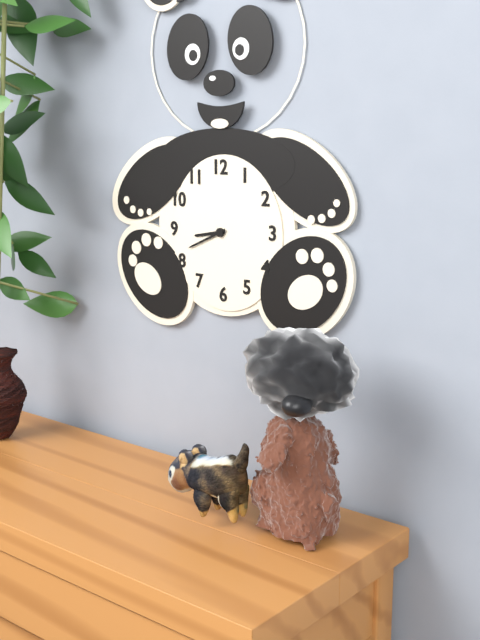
h=8 m=41
